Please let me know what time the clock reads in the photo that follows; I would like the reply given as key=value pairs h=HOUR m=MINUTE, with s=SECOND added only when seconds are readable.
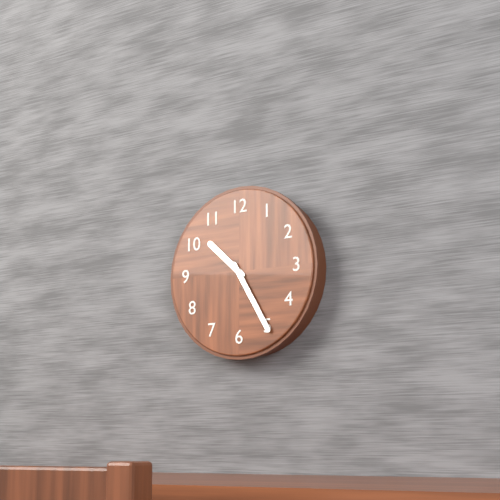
h=10 m=25
